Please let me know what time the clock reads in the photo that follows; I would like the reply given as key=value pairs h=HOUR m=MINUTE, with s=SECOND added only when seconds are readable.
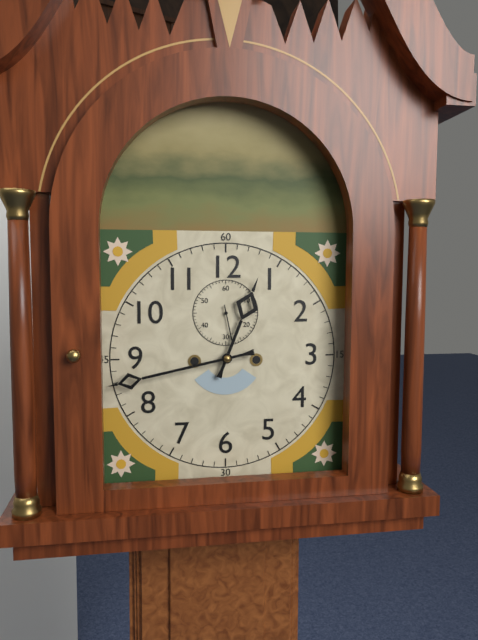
h=12 m=43
